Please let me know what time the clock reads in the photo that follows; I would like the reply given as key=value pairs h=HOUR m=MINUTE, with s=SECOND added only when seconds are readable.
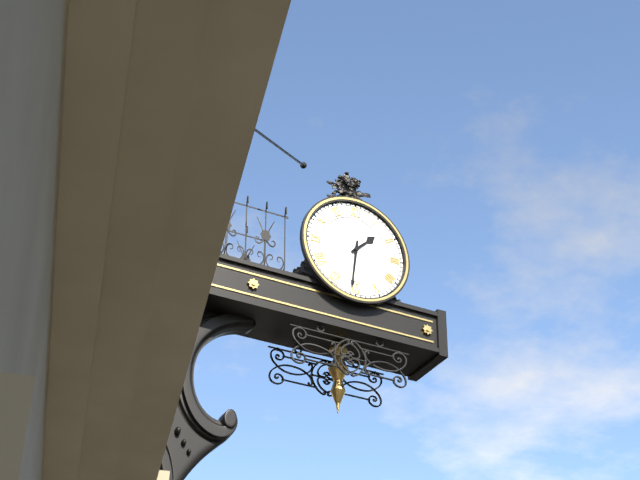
h=1 m=31
